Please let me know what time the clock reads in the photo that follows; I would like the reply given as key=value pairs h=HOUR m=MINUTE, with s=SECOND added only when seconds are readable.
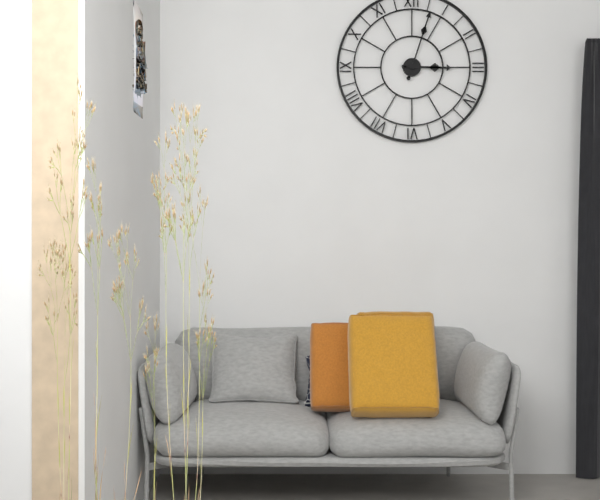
h=3 m=3
